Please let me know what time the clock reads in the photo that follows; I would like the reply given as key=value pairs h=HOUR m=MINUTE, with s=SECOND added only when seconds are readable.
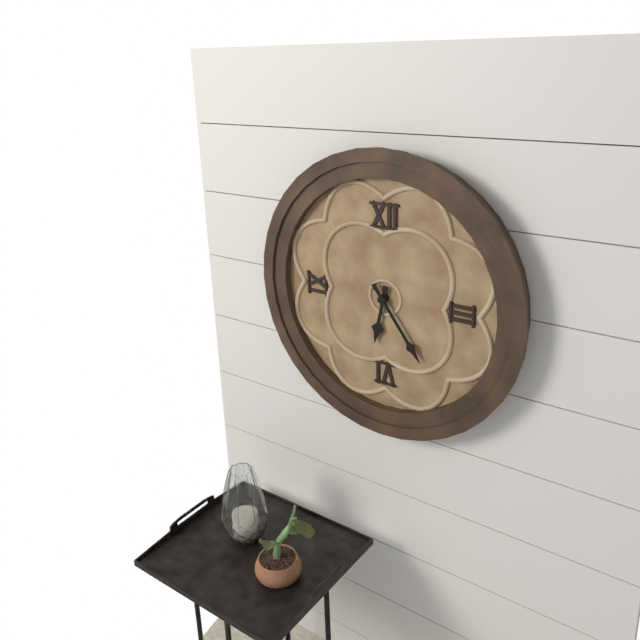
h=6 m=24
